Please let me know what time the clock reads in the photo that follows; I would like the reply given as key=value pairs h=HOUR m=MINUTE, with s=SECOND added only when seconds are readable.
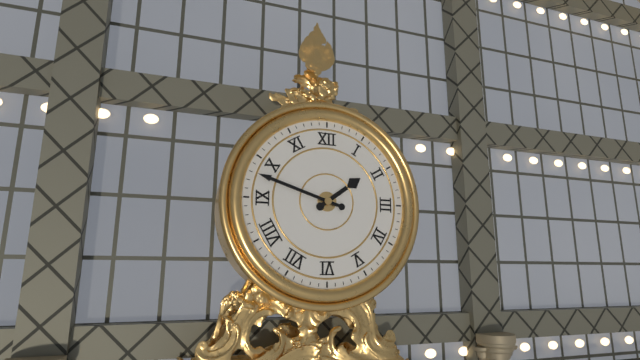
h=1 m=48
